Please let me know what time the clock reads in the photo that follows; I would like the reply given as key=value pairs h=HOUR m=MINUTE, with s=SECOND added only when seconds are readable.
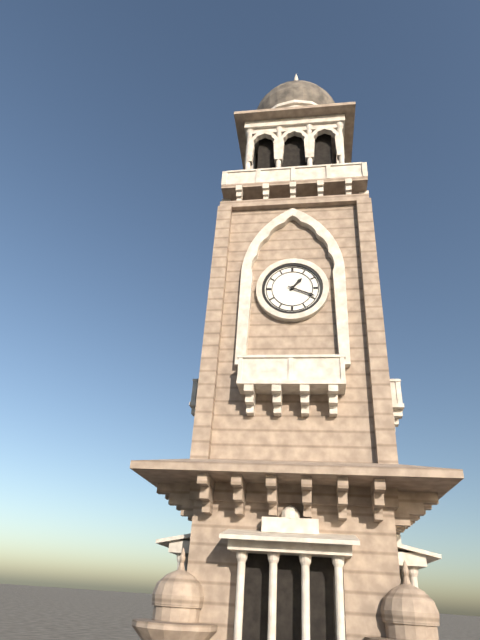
h=1 m=19
